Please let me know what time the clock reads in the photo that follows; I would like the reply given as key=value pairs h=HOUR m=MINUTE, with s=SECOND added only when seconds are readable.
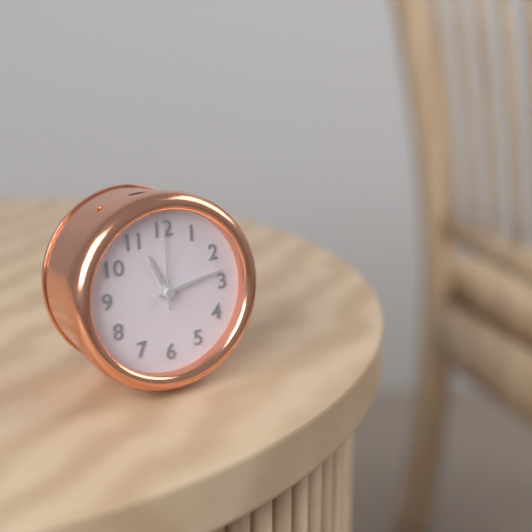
h=11 m=13 s=0
